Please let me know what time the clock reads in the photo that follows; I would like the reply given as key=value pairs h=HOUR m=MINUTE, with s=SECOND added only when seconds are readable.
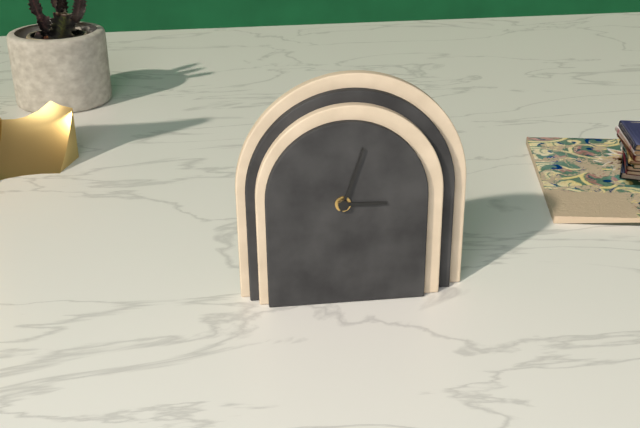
h=3 m=3
